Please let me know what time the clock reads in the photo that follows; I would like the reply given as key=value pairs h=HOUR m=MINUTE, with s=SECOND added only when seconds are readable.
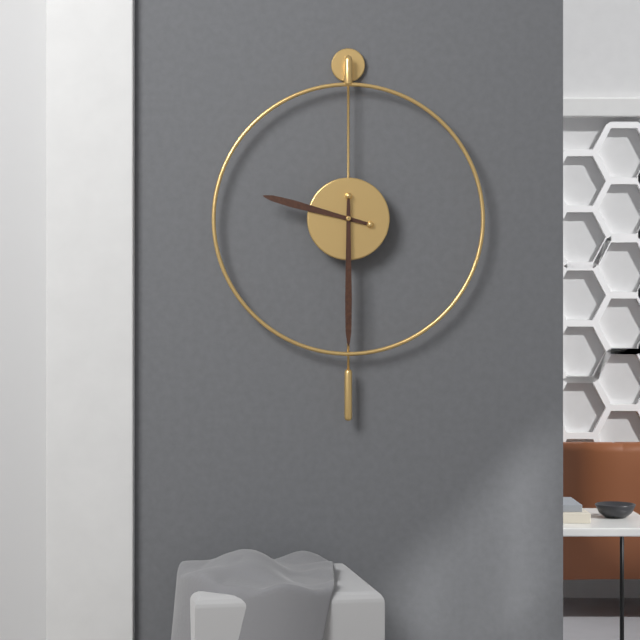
h=9 m=30
